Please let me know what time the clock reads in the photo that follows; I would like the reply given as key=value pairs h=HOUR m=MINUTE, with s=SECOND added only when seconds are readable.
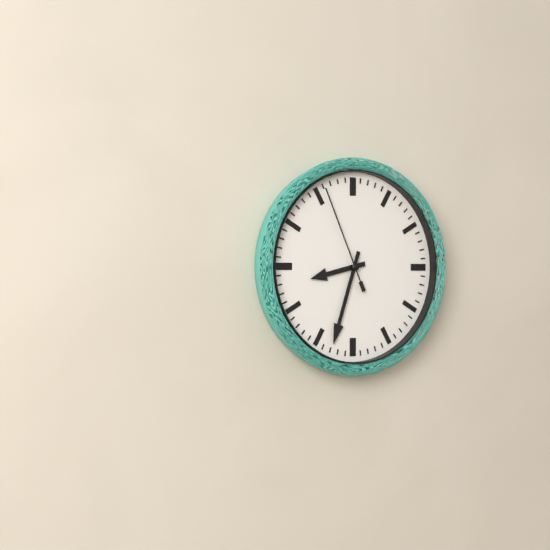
h=8 m=33 s=56
